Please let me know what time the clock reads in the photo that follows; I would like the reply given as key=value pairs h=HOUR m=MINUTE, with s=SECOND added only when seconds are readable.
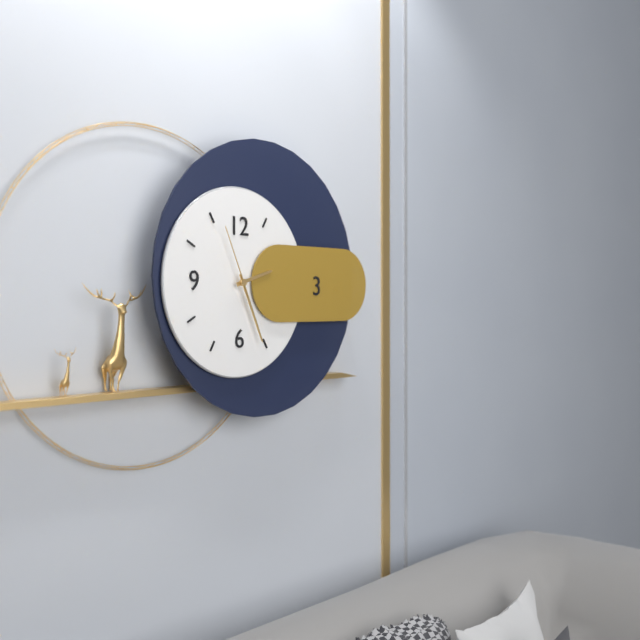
h=2 m=26 s=56
